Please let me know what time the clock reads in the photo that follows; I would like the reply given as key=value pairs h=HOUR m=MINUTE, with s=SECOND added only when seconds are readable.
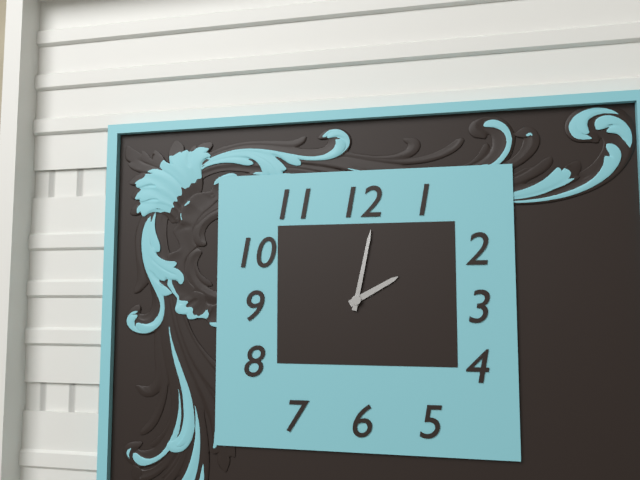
h=2 m=2
